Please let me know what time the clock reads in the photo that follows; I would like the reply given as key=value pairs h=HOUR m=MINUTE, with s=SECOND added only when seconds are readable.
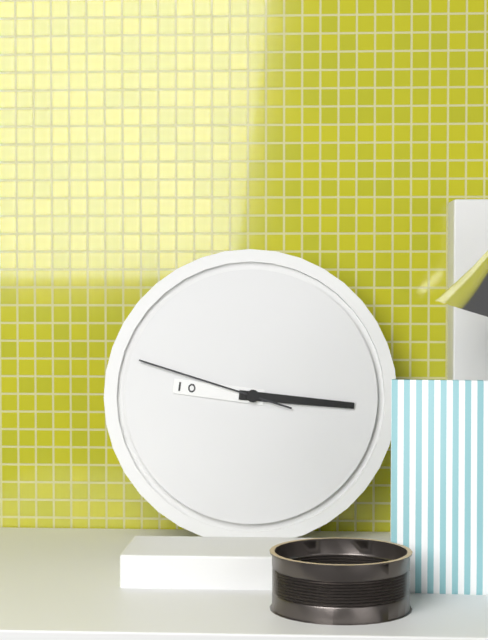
h=9 m=16 s=48
